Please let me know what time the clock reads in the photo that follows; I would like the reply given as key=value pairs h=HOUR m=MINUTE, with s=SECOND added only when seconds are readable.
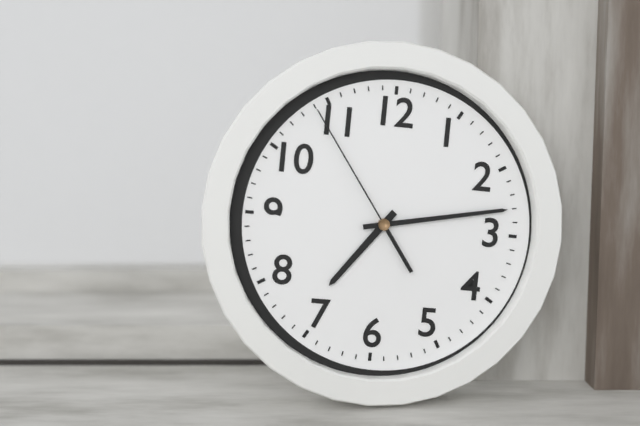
h=7 m=13 s=54
